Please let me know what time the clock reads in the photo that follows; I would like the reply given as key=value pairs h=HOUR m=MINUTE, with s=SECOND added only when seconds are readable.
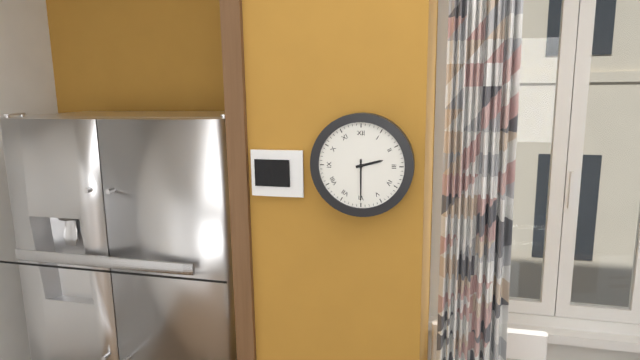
h=2 m=30
